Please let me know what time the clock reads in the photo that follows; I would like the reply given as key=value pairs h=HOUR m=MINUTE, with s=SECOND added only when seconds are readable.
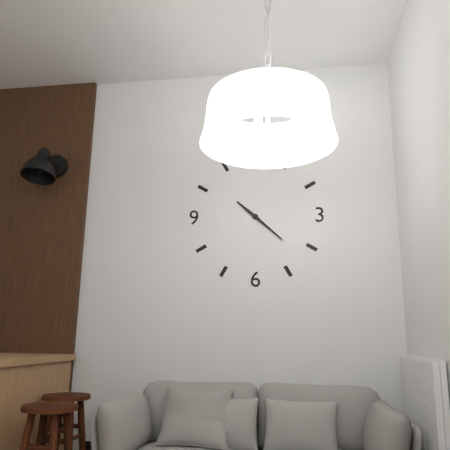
h=10 m=22
